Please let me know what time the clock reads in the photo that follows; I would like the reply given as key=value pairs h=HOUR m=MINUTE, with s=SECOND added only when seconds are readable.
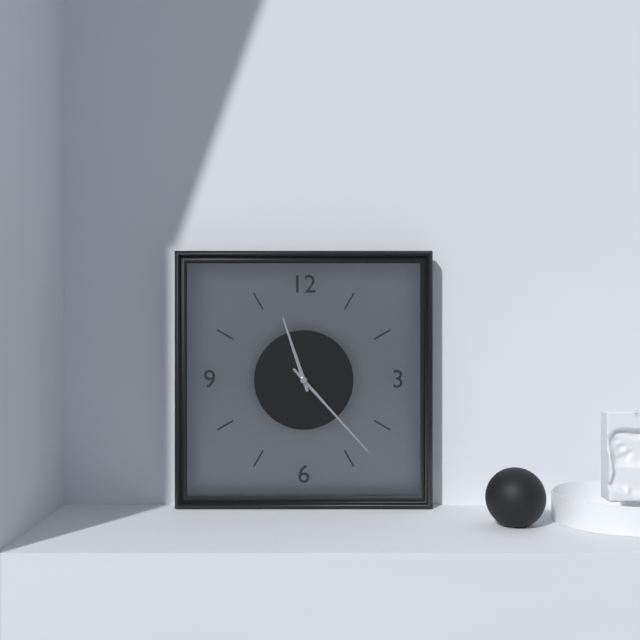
h=11 m=23
